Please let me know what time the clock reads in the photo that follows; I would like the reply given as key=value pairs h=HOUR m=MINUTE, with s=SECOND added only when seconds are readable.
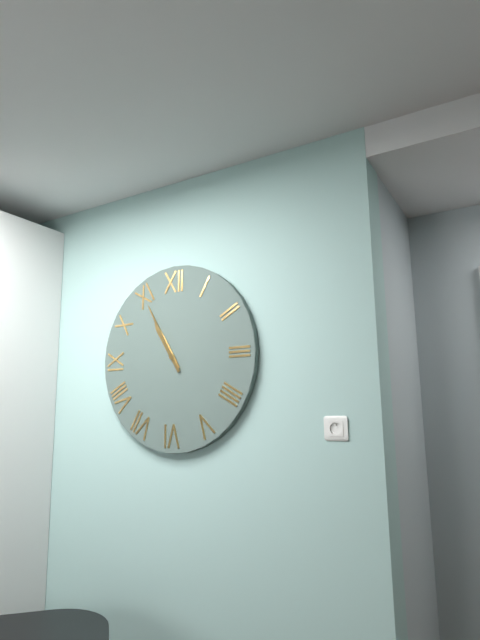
h=10 m=55
